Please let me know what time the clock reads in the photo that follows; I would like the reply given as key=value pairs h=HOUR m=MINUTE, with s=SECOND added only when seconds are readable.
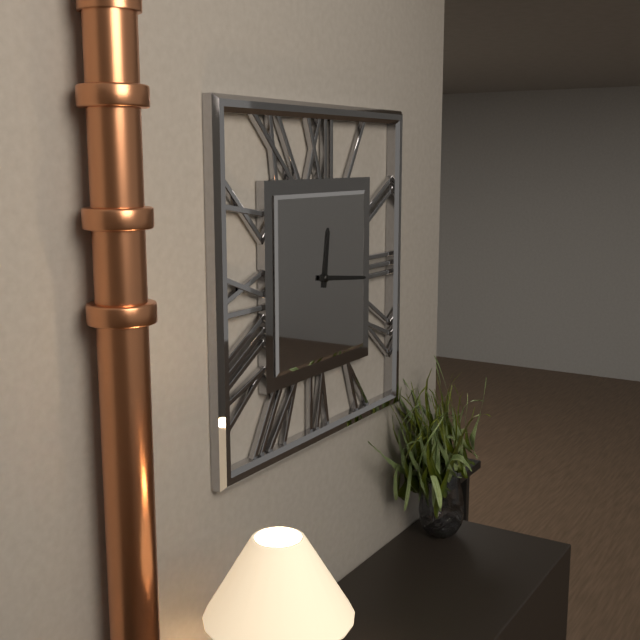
h=12 m=16
